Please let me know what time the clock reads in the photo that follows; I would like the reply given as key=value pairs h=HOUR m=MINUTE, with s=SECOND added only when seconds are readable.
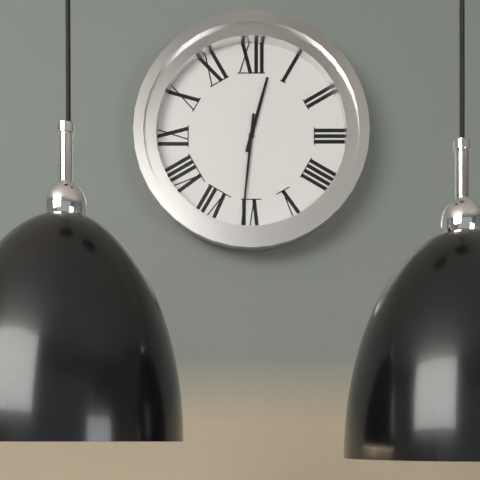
h=12 m=31
